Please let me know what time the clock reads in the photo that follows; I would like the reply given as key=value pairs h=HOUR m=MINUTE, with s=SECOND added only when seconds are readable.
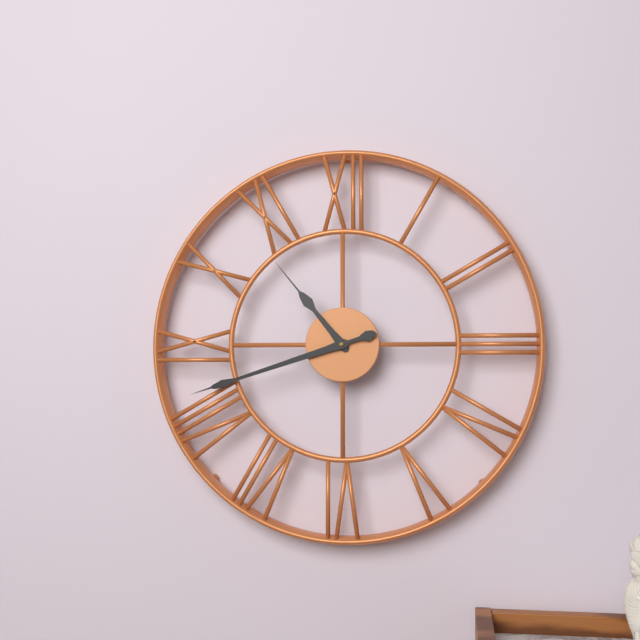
h=10 m=42
